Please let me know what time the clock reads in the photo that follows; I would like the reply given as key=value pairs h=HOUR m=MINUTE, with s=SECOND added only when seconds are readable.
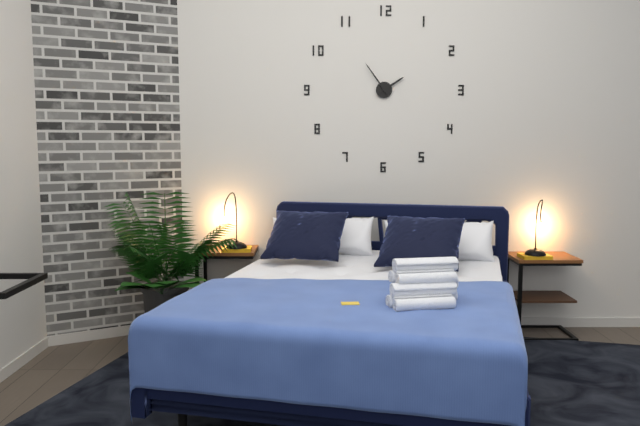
h=1 m=54
